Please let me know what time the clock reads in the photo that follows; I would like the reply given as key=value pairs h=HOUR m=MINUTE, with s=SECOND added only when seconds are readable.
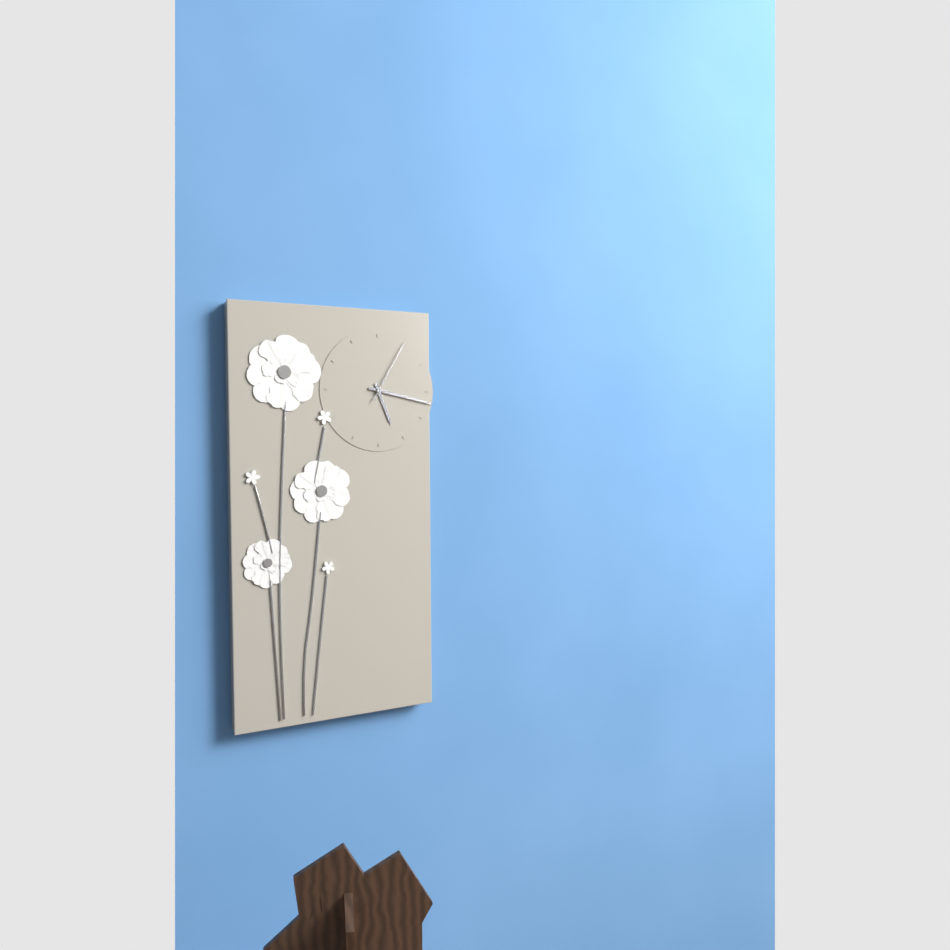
h=5 m=17 s=5
